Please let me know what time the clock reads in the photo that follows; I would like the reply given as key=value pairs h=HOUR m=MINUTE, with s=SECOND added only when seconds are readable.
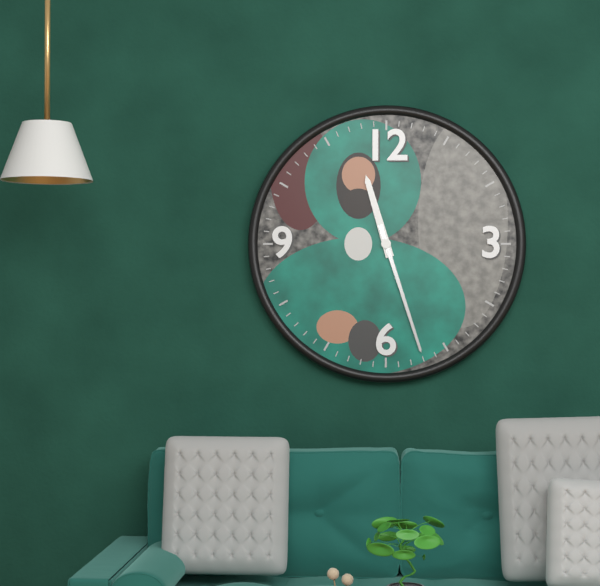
h=11 m=27
